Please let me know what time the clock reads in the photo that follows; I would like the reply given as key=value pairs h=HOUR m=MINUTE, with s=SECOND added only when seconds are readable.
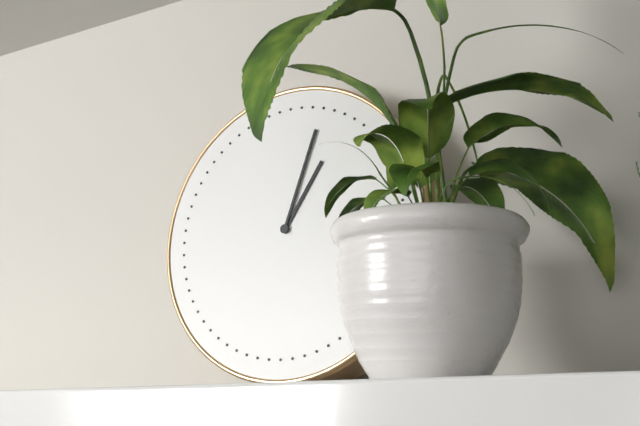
h=1 m=3
